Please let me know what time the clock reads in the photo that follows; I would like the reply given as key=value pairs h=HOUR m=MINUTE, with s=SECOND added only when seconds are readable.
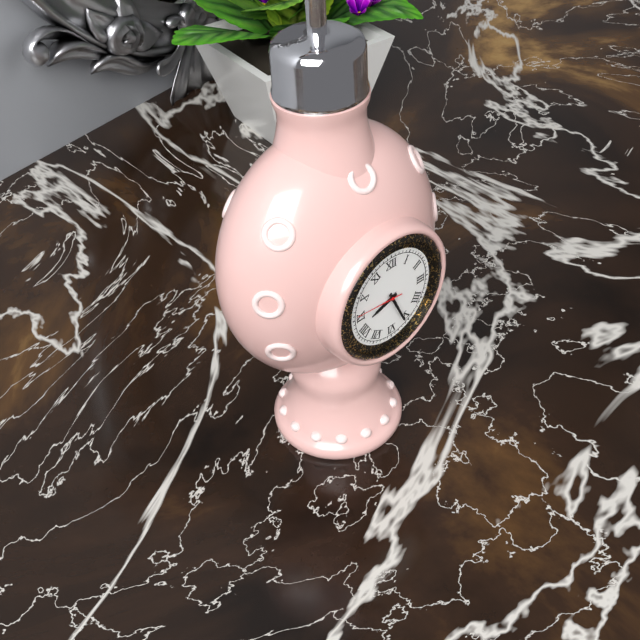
h=8 m=26 s=46
